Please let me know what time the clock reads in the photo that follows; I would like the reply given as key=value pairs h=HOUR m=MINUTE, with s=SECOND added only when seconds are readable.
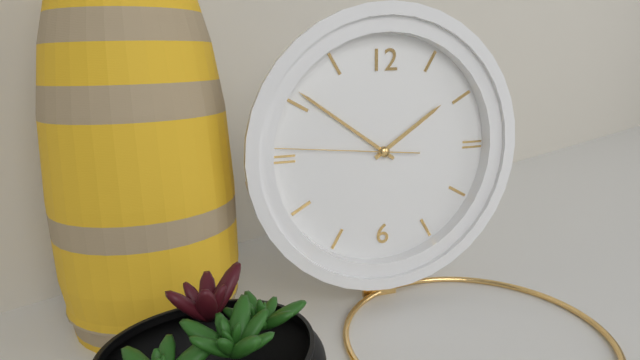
h=1 m=51 s=46
